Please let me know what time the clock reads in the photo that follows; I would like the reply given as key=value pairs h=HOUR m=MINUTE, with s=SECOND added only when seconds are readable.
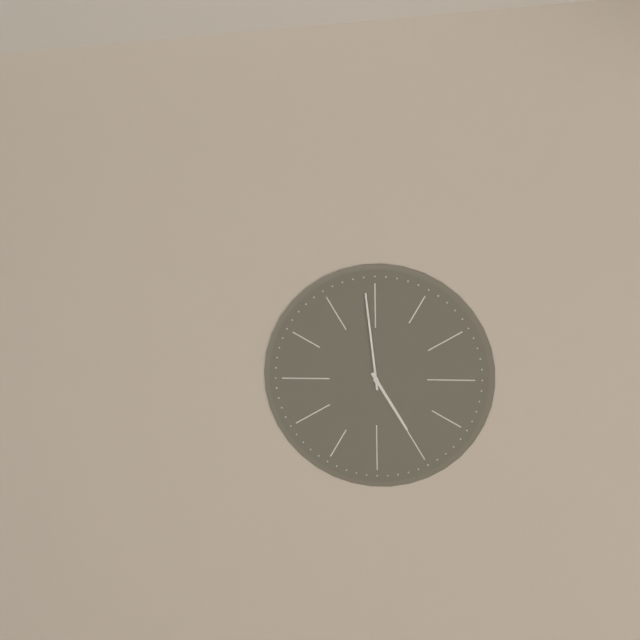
h=4 m=59
